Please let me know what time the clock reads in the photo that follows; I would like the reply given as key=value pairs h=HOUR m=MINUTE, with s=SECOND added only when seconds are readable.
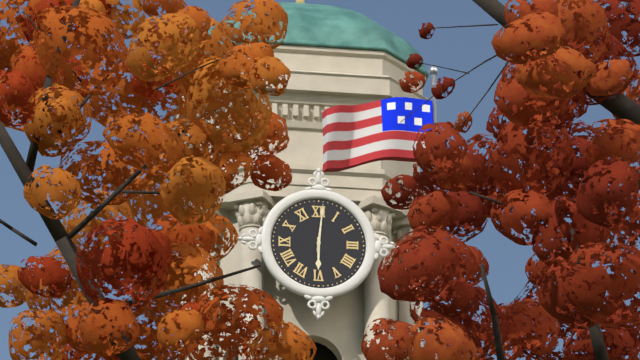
h=6 m=1
